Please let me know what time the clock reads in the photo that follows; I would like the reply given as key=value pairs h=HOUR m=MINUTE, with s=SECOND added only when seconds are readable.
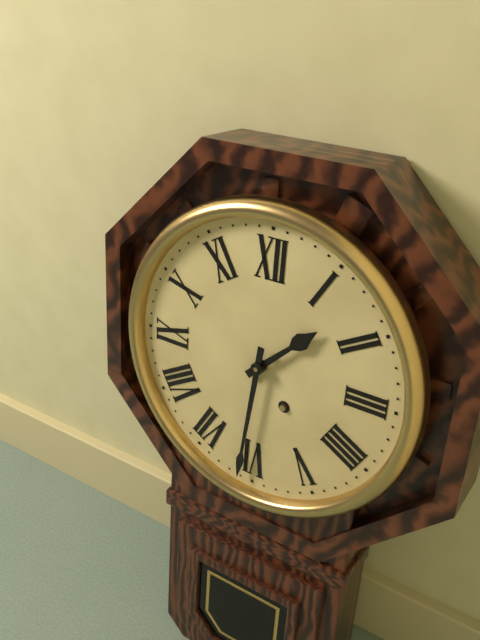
h=1 m=31
